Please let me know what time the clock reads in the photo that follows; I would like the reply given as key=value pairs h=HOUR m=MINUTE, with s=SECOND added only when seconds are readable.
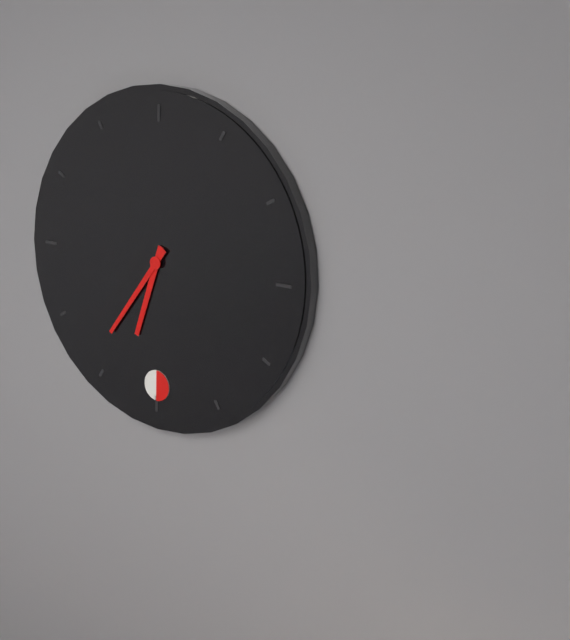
h=6 m=36
